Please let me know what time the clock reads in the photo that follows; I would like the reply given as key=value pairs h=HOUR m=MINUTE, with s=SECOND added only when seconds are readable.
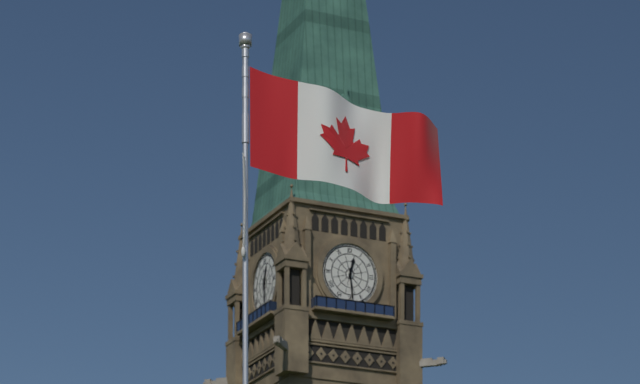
h=12 m=29
